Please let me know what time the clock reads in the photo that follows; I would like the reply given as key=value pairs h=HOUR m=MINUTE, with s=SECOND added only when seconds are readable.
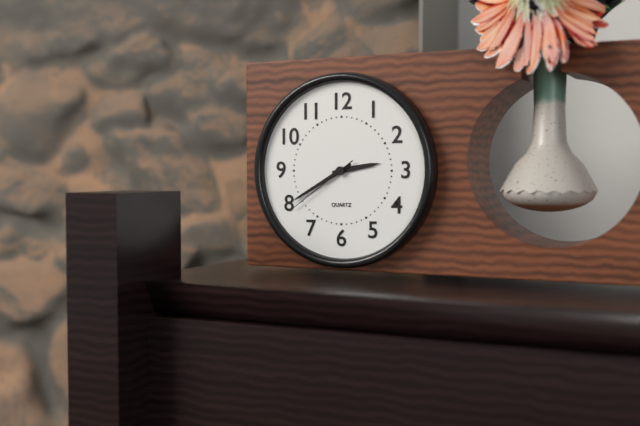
h=2 m=40 s=39
